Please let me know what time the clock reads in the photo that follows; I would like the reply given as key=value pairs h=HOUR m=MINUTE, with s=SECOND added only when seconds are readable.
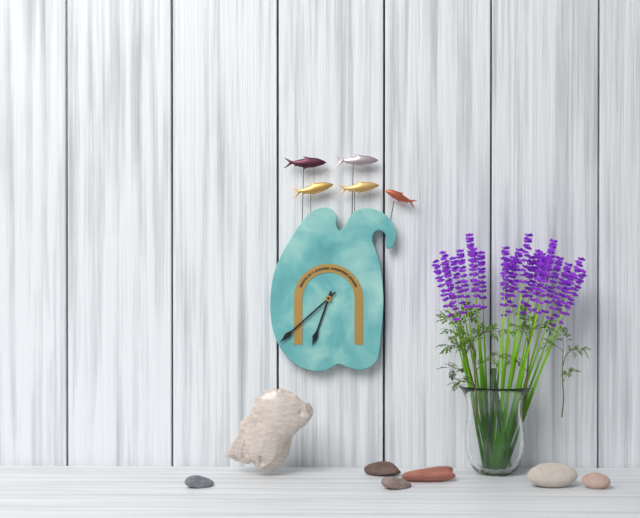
h=6 m=38
